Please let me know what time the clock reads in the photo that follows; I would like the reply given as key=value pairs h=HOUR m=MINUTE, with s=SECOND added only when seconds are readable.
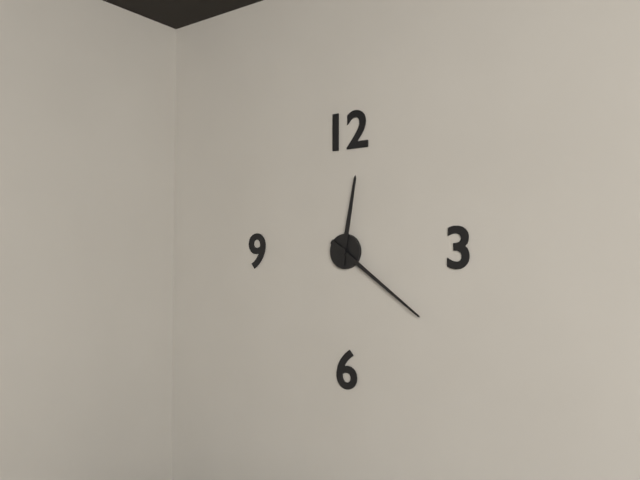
h=12 m=21
